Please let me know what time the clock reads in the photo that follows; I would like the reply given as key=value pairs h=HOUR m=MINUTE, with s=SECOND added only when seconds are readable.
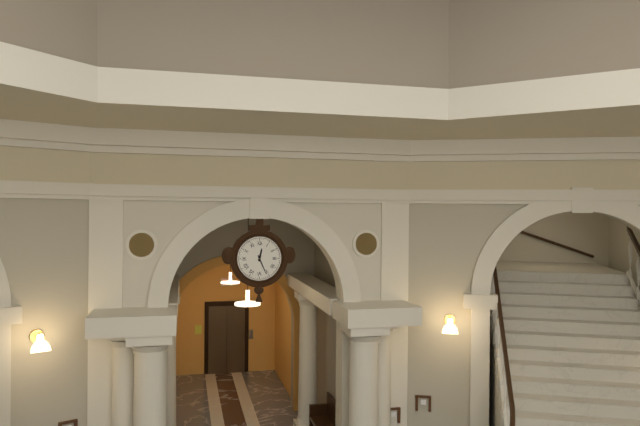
h=12 m=26
